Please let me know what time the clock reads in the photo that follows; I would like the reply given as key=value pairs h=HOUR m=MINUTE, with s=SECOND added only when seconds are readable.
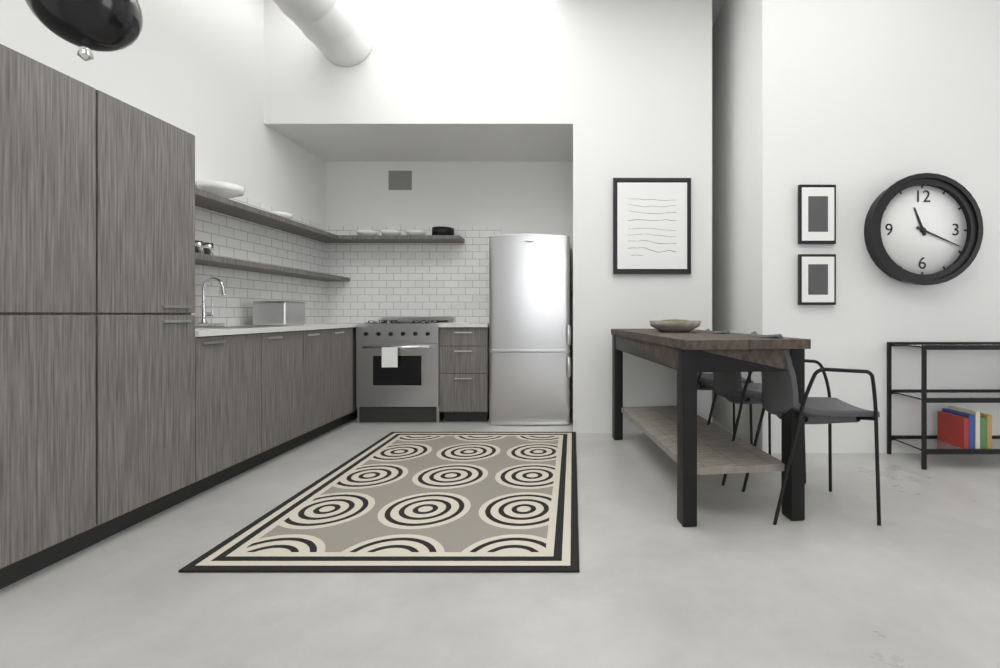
h=11 m=19
